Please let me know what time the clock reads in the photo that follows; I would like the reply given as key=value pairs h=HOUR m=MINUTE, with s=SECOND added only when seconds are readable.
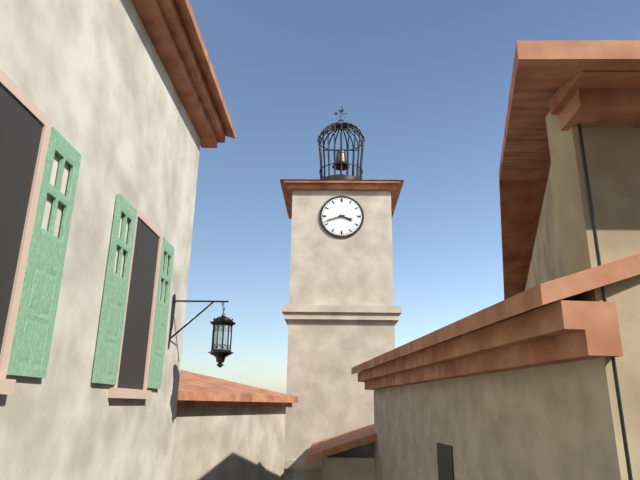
h=3 m=42
